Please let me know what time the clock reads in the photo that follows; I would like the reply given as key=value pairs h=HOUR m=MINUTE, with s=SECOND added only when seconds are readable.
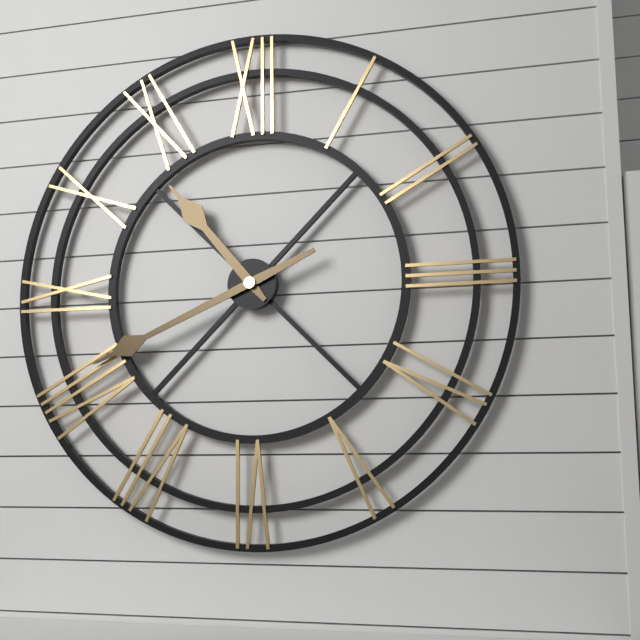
h=10 m=41
